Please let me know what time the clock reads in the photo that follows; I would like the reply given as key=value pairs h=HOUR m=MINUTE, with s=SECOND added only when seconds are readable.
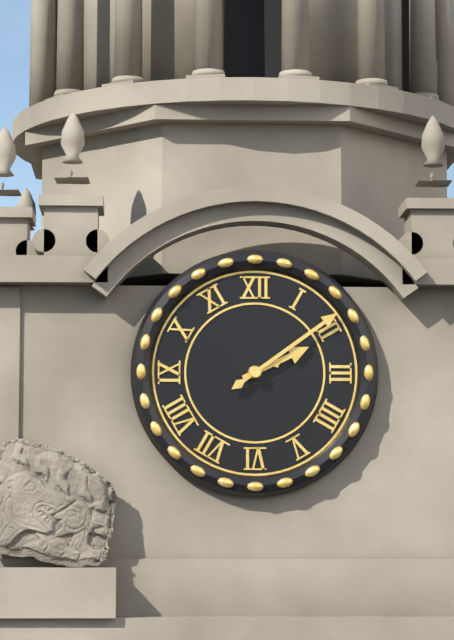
h=2 m=9
